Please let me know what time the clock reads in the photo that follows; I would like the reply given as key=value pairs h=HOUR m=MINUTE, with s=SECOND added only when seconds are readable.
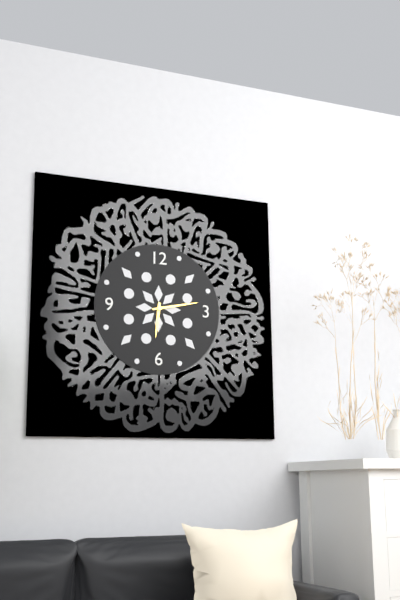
h=6 m=13
